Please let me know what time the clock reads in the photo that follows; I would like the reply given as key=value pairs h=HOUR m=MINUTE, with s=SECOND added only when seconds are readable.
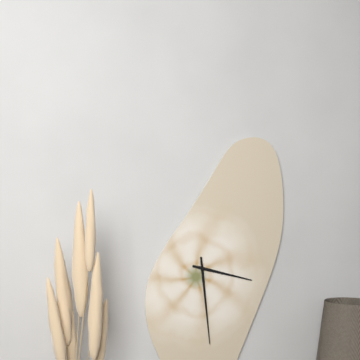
h=3 m=29
